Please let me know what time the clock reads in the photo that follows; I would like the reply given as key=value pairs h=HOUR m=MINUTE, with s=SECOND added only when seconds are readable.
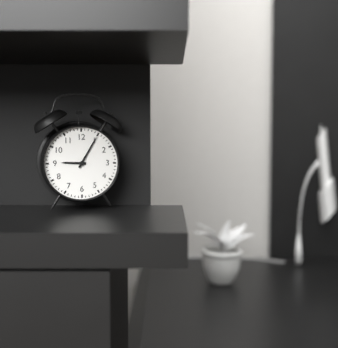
h=9 m=5
